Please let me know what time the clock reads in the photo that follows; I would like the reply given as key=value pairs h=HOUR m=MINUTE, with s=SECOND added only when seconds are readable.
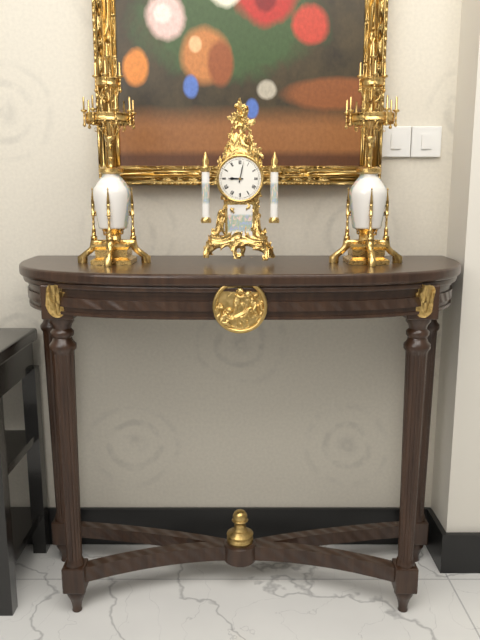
h=9 m=2
